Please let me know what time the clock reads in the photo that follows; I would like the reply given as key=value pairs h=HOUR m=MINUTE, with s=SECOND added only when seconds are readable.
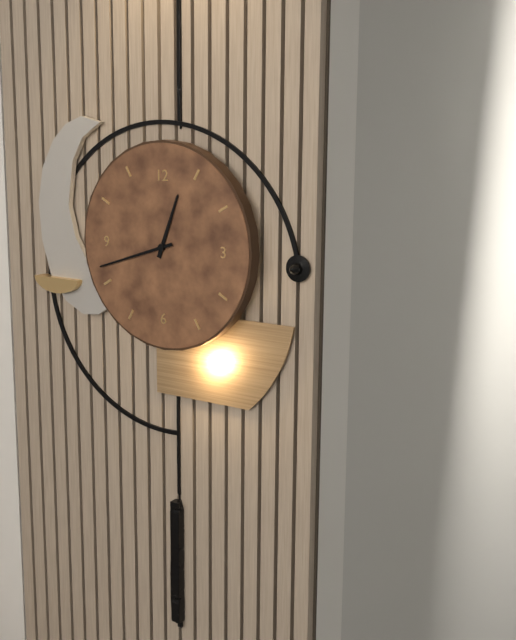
h=12 m=42
